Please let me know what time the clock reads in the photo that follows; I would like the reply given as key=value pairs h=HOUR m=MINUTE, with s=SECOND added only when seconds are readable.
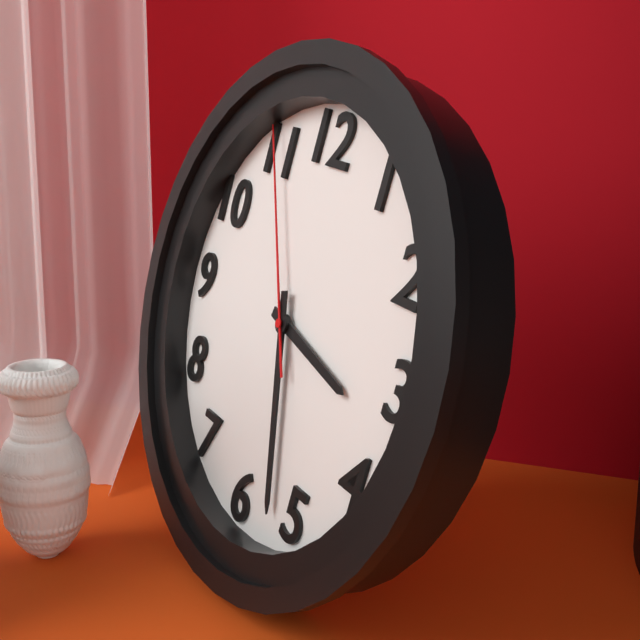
h=3 m=27 s=55
